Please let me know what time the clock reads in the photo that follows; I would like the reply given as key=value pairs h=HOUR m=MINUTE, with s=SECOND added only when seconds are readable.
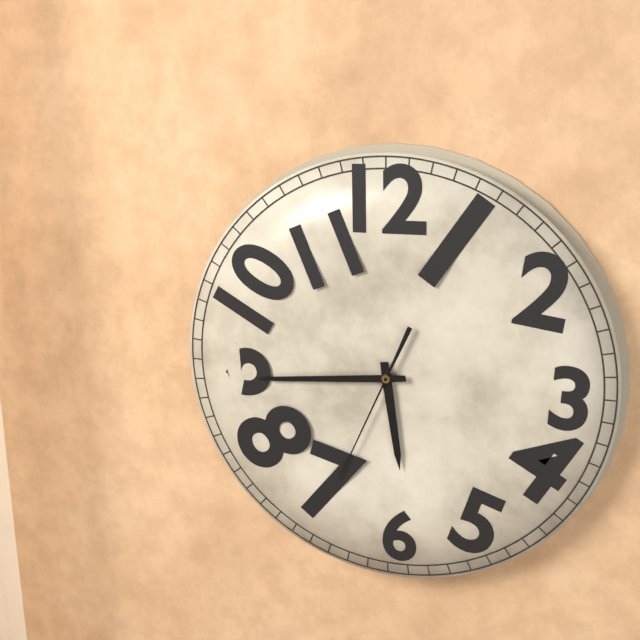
h=5 m=44 s=34
